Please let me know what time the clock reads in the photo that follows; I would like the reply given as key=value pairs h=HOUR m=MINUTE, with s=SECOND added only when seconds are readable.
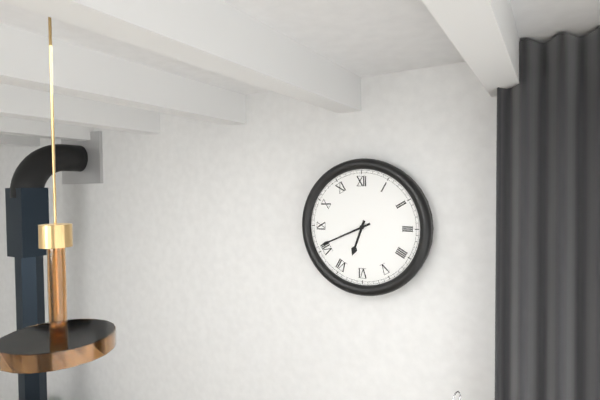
h=6 m=41
